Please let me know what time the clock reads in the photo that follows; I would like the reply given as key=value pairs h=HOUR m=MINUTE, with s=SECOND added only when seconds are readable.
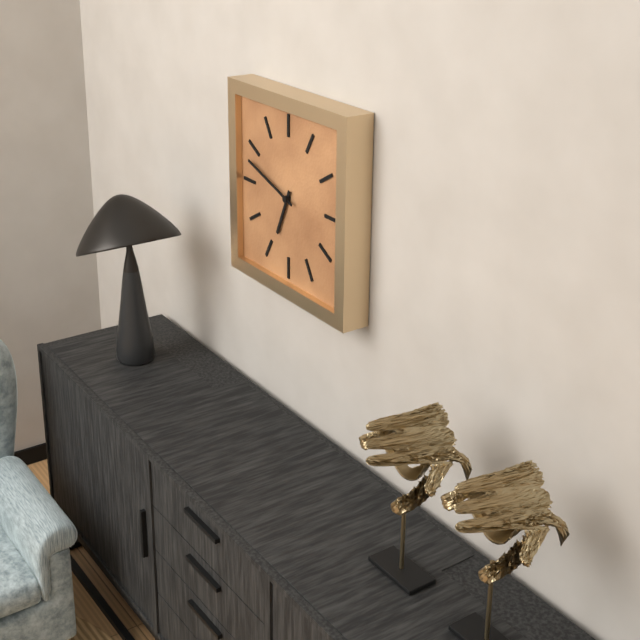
h=6 m=48
